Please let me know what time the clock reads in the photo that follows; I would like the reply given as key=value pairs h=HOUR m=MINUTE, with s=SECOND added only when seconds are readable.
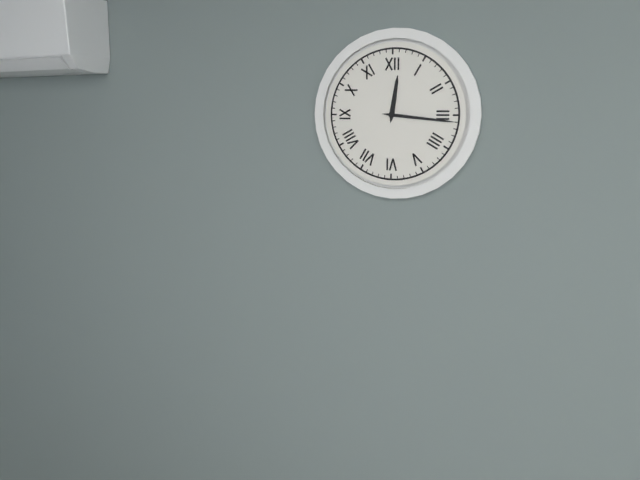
h=12 m=16
